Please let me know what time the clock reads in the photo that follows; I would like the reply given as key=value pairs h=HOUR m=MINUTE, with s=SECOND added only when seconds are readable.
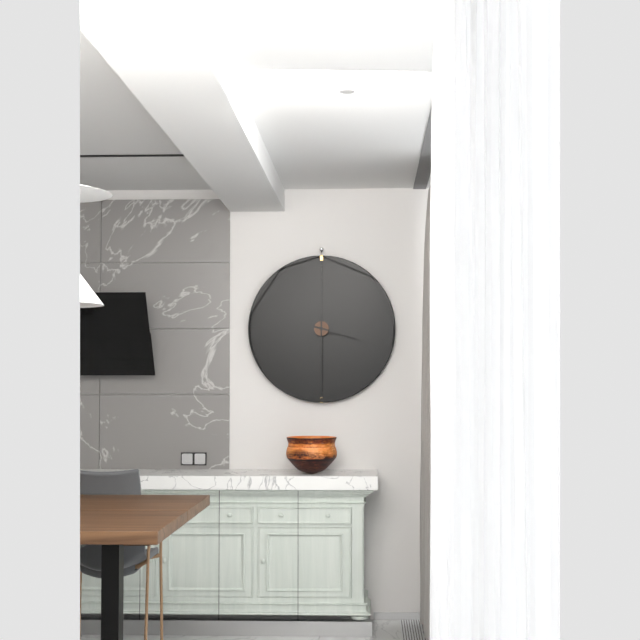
h=3 m=30
